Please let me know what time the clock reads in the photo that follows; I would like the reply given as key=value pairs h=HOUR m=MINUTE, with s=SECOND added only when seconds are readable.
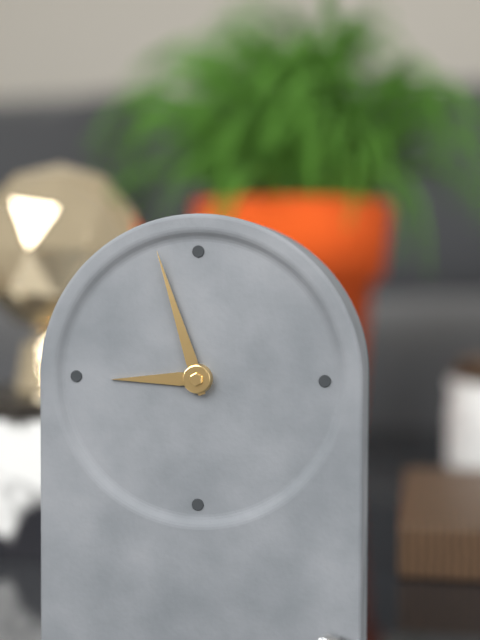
h=8 m=57
